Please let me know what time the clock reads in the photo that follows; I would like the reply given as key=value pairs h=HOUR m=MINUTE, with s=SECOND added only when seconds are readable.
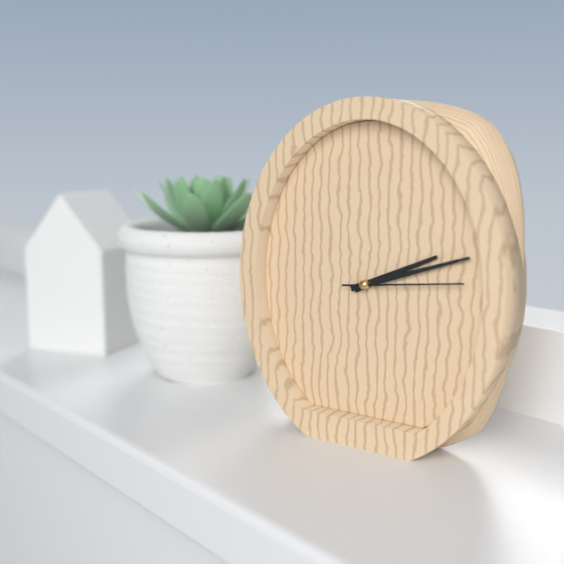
h=2 m=12 s=14
